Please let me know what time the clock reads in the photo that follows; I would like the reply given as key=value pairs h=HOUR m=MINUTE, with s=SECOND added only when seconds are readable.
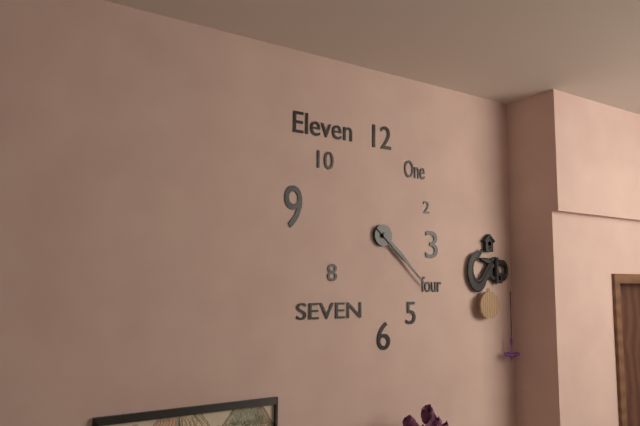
h=4 m=22
